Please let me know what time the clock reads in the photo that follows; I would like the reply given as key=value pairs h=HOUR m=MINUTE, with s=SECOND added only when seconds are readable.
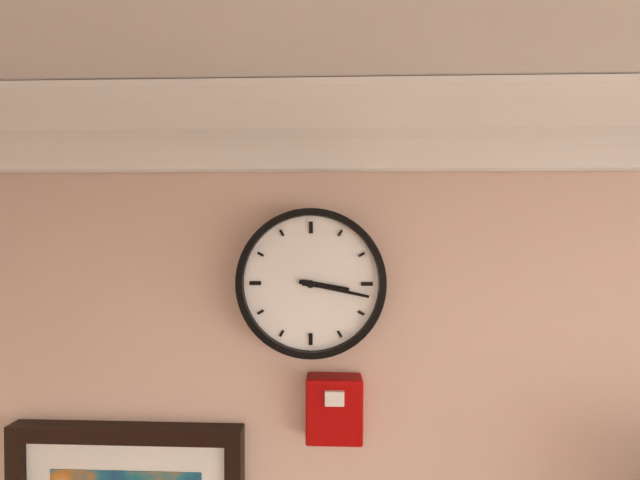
h=3 m=17
